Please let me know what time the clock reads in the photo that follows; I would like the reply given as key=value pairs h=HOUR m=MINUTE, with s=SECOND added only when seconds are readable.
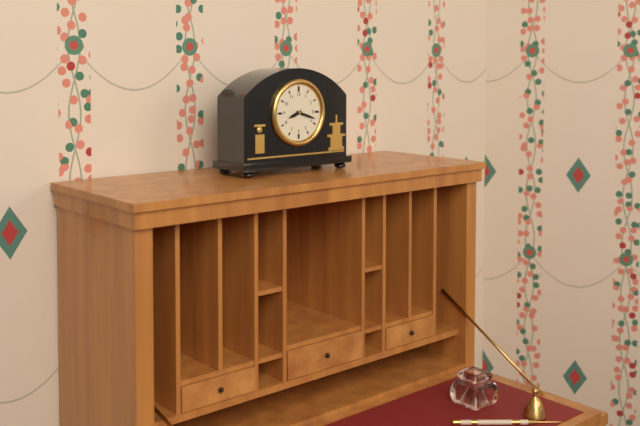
h=8 m=18
